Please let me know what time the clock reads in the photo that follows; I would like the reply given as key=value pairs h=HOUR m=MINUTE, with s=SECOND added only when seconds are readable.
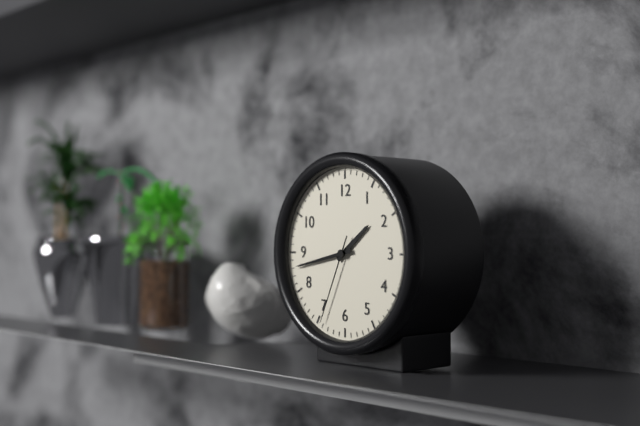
h=1 m=43 s=34
